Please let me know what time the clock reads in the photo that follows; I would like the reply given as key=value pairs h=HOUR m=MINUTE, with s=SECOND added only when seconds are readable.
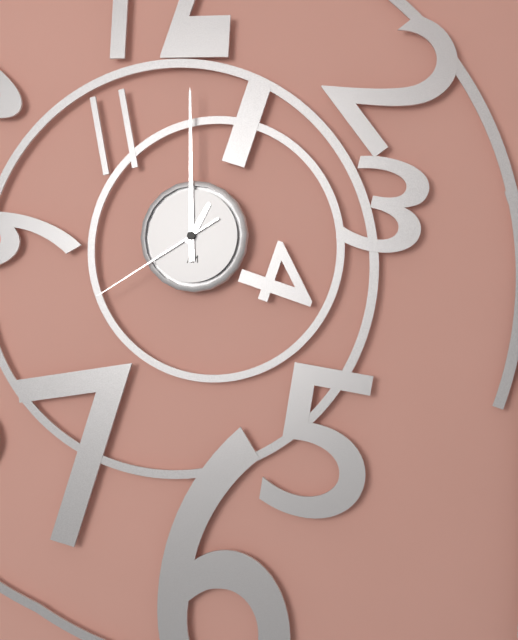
h=1 m=0 s=40
